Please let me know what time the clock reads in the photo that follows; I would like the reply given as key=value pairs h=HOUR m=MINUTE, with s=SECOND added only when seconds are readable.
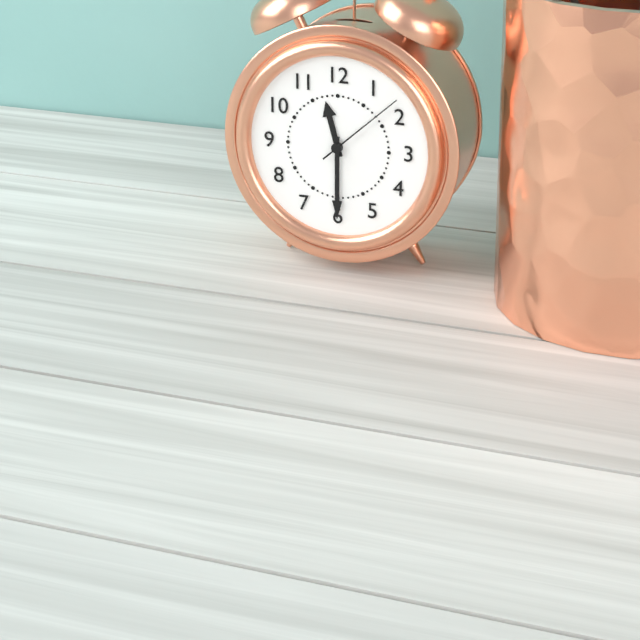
h=11 m=30 s=8
